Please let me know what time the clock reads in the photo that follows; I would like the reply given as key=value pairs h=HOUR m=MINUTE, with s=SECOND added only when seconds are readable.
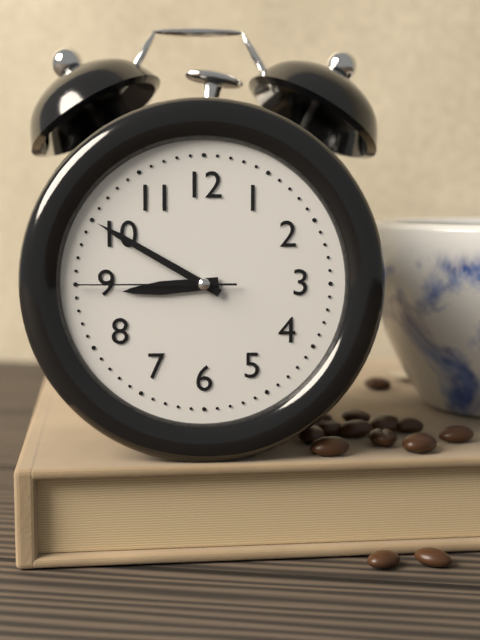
h=8 m=50 s=45
